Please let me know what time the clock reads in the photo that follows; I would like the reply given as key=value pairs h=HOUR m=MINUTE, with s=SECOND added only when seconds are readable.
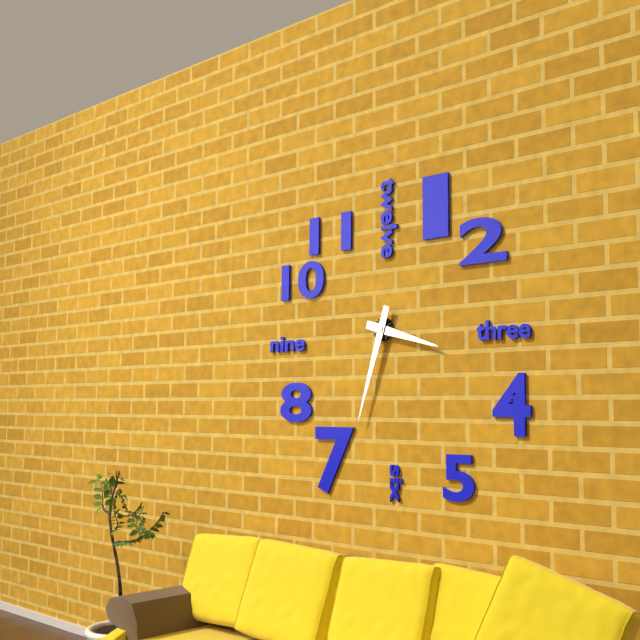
h=3 m=33
